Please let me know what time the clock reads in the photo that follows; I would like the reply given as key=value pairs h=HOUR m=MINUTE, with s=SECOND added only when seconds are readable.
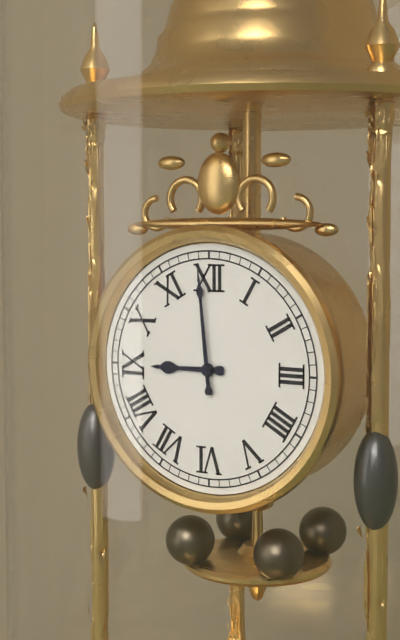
h=8 m=59
